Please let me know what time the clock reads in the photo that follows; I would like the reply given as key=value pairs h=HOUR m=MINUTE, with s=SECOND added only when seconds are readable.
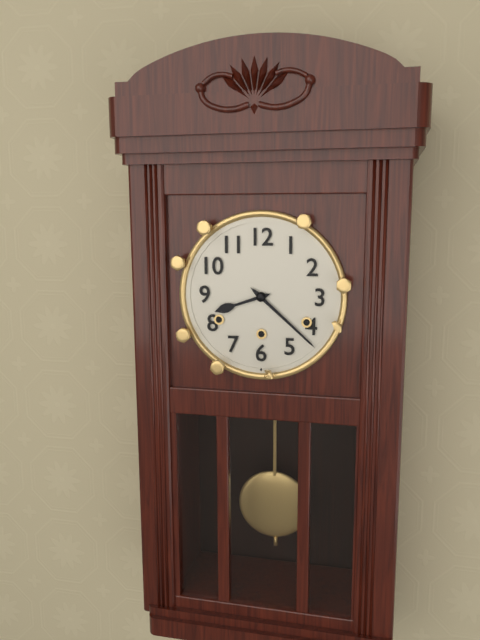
h=8 m=22
